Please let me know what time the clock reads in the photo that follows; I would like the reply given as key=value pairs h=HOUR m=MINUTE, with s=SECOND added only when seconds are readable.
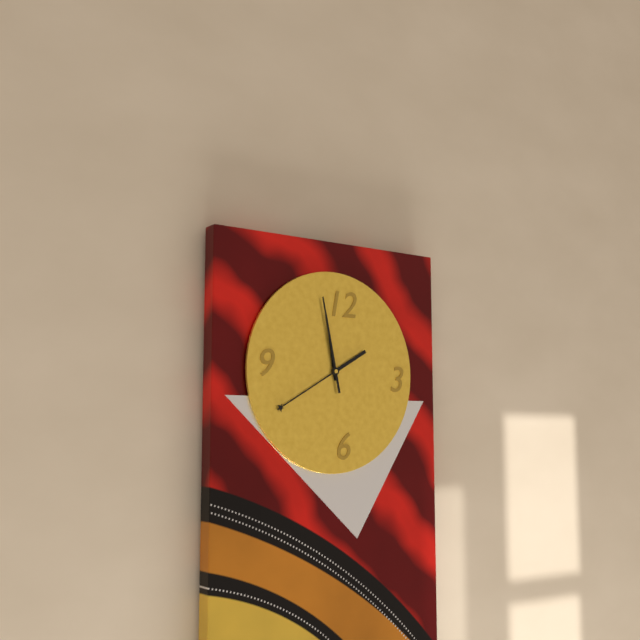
h=11 m=40 s=58
